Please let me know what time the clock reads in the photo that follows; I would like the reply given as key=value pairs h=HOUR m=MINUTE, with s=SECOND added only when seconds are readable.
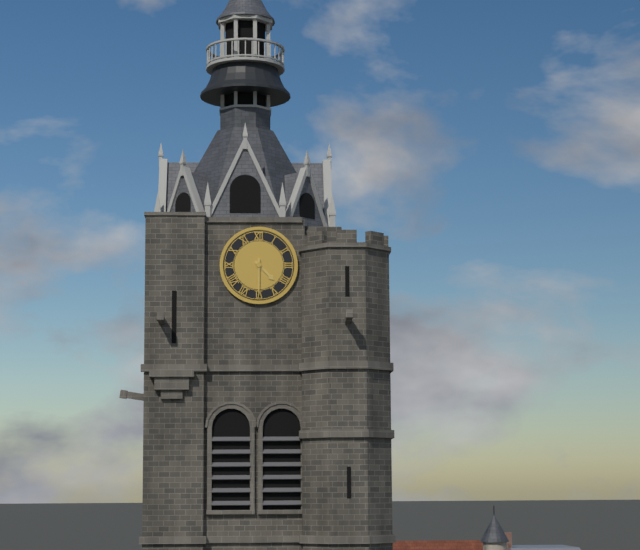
h=4 m=30
